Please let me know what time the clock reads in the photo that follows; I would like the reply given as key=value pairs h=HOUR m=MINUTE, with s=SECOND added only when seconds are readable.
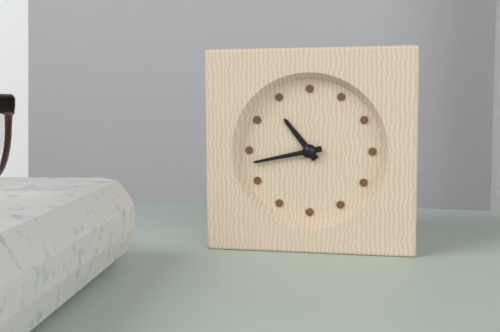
h=10 m=43
